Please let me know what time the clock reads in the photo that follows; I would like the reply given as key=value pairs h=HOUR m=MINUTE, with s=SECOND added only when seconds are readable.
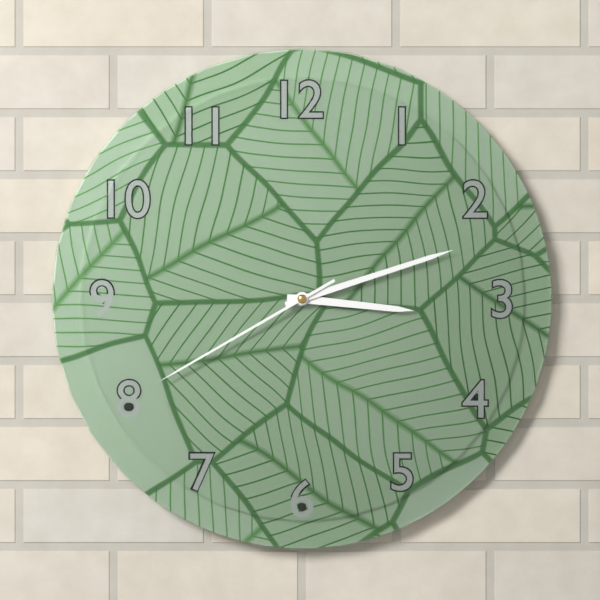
h=3 m=12 s=40
